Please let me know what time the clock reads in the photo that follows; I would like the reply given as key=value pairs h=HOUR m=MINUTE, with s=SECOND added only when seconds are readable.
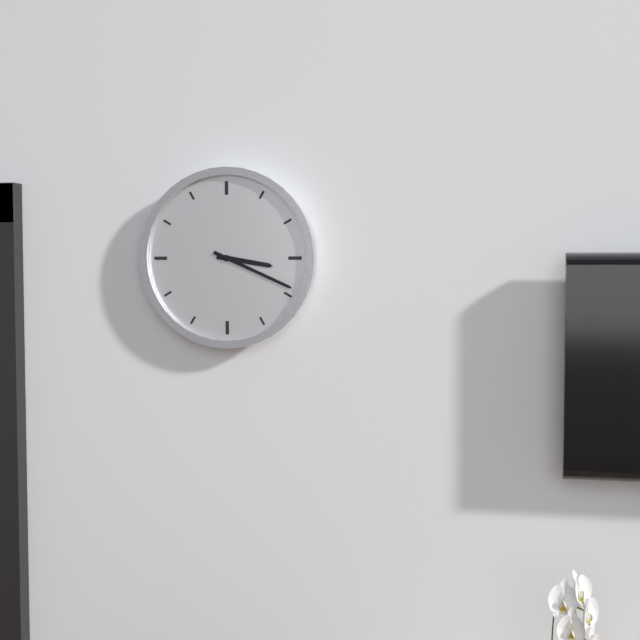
h=3 m=19
